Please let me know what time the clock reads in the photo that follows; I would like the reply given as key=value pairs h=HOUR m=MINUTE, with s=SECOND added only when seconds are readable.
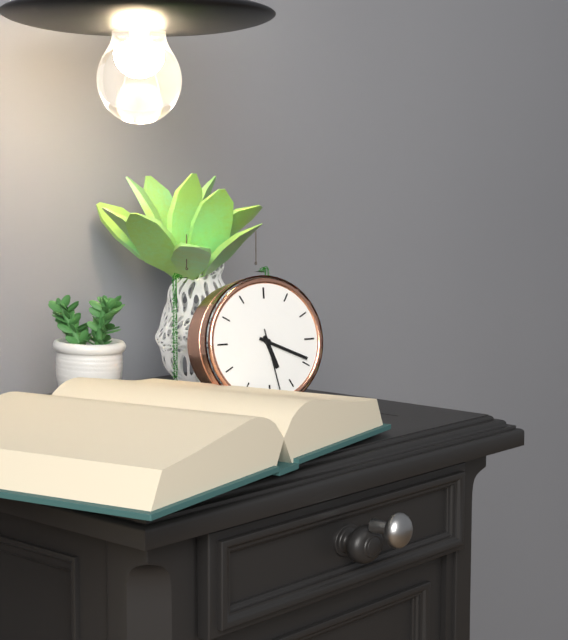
h=5 m=19 s=28
